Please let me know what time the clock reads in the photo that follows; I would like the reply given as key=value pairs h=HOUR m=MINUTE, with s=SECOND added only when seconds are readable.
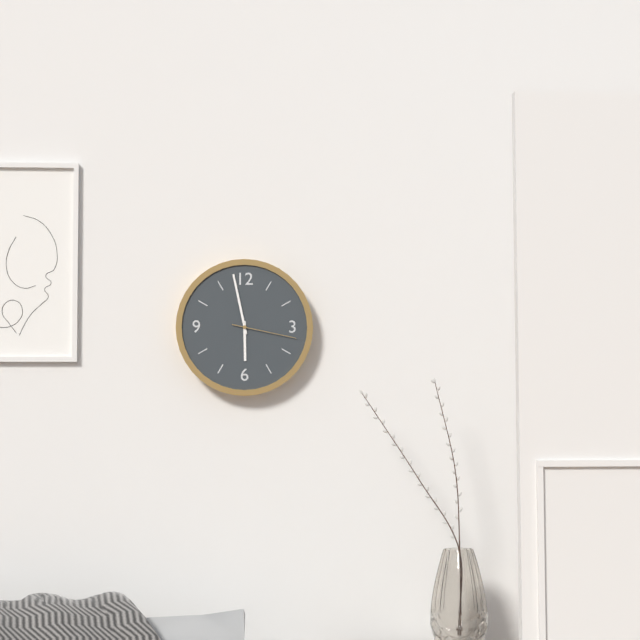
h=5 m=58 s=17
